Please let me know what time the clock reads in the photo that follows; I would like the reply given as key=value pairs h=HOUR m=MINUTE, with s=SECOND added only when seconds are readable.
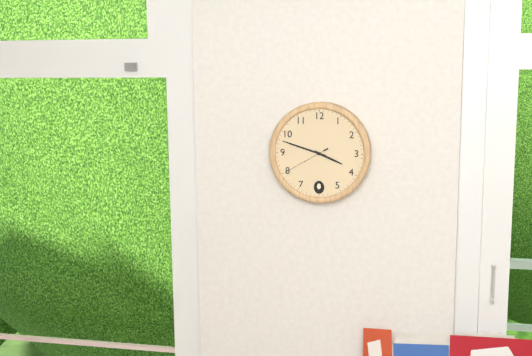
h=3 m=48
